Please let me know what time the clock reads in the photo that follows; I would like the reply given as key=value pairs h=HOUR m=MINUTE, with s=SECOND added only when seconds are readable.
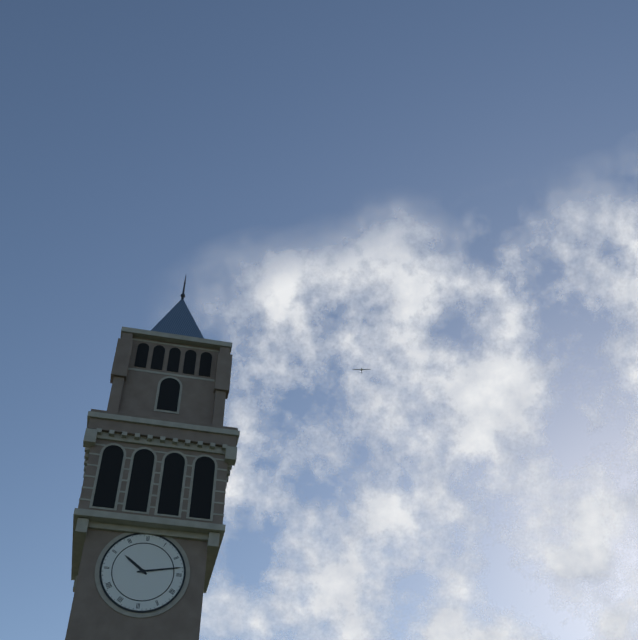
h=10 m=13
